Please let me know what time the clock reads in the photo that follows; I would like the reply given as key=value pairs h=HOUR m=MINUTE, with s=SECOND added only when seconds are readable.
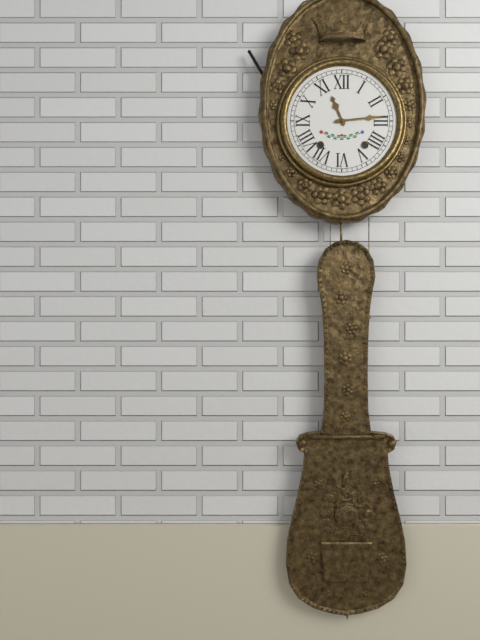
h=11 m=14
